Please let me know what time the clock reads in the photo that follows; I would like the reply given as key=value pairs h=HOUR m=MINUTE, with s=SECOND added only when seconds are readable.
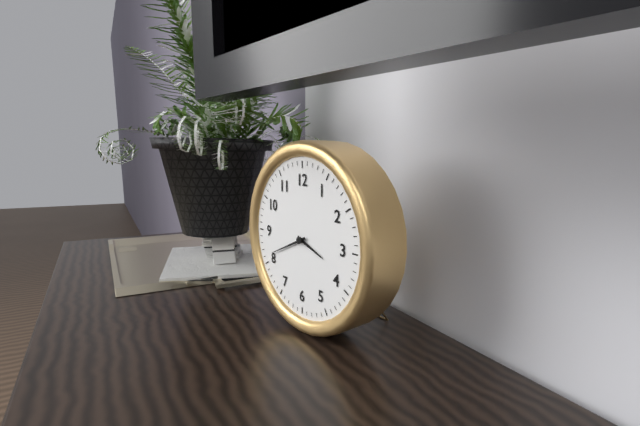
h=3 m=41
